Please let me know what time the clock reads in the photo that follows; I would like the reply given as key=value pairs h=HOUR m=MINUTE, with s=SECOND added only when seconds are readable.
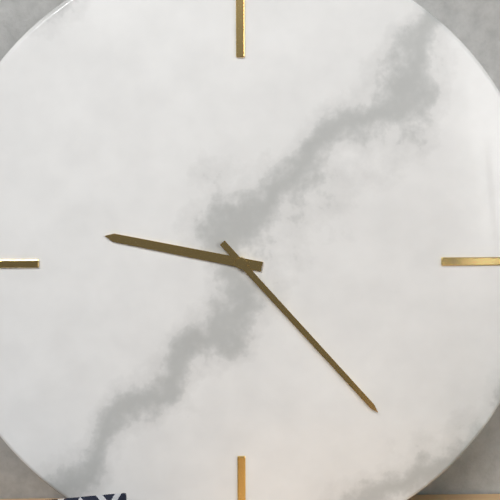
h=9 m=23
